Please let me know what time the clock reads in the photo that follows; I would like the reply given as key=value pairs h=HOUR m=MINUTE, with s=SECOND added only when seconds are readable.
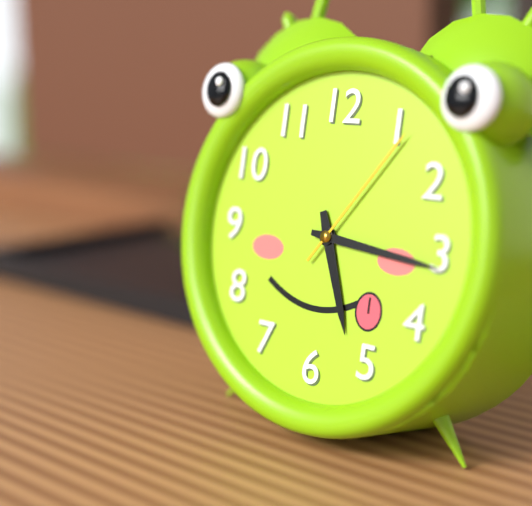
h=5 m=16 s=6
